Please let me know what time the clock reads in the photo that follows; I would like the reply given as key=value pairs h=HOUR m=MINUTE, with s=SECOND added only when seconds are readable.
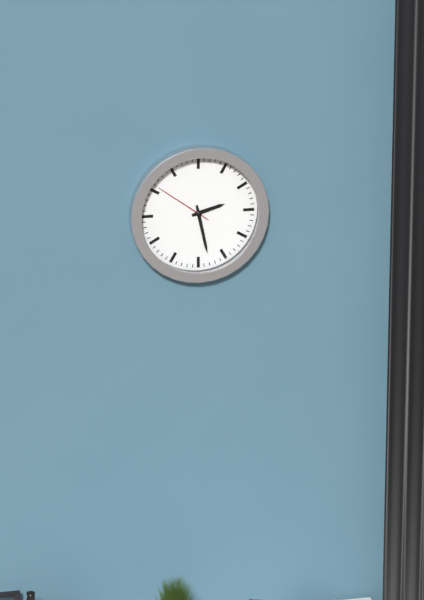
h=2 m=28 s=51
